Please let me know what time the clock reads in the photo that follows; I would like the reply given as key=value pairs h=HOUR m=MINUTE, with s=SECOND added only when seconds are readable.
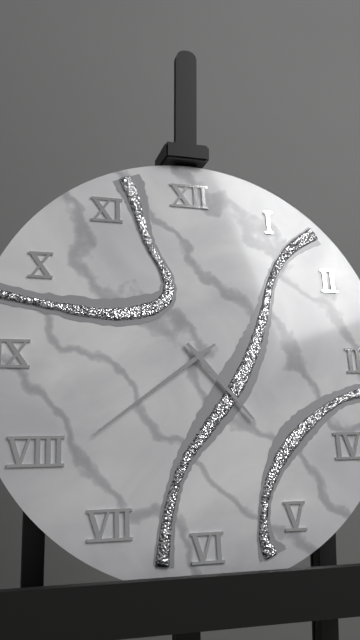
h=4 m=39
